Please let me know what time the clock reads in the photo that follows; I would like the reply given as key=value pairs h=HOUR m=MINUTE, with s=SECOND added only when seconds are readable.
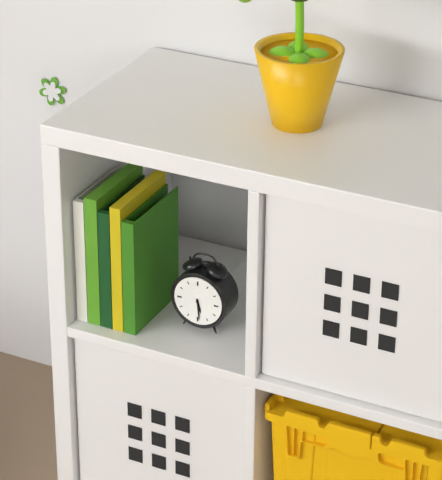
h=5 m=29
